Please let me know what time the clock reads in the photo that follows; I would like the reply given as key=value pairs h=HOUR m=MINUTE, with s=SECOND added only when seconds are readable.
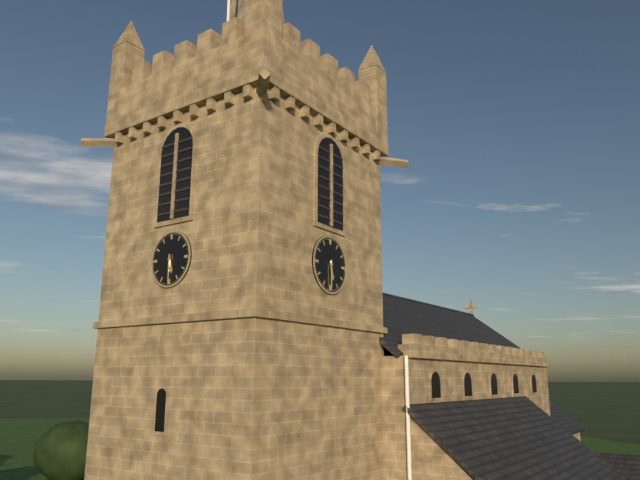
h=5 m=30
